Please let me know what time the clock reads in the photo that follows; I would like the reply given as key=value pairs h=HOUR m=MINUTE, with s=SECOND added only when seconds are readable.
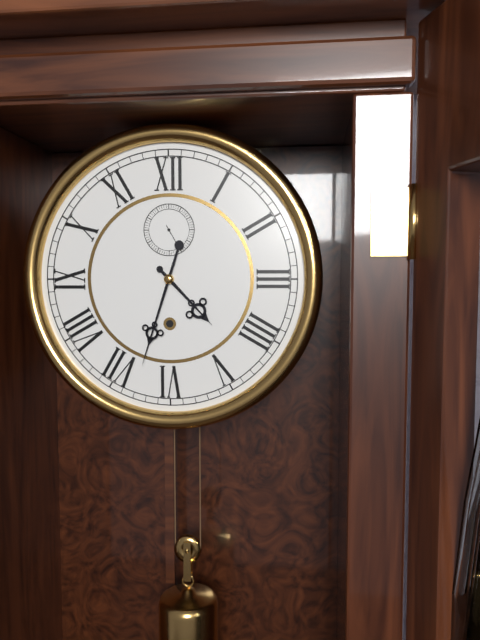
h=4 m=33
